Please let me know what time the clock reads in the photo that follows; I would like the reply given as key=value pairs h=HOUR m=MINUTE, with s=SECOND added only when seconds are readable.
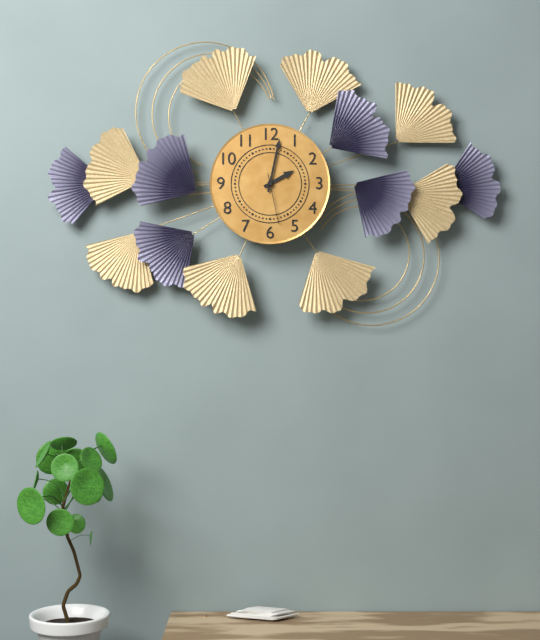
h=2 m=2 s=28
